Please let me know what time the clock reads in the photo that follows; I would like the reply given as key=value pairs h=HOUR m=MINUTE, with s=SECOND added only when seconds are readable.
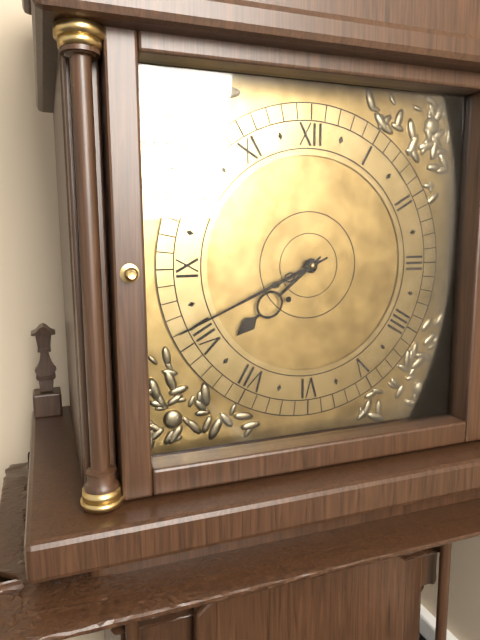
h=7 m=41
